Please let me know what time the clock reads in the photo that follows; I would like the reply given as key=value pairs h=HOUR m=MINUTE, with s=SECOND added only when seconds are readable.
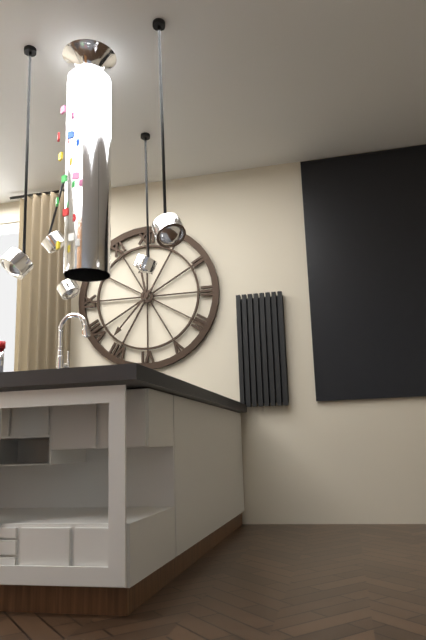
h=11 m=37
